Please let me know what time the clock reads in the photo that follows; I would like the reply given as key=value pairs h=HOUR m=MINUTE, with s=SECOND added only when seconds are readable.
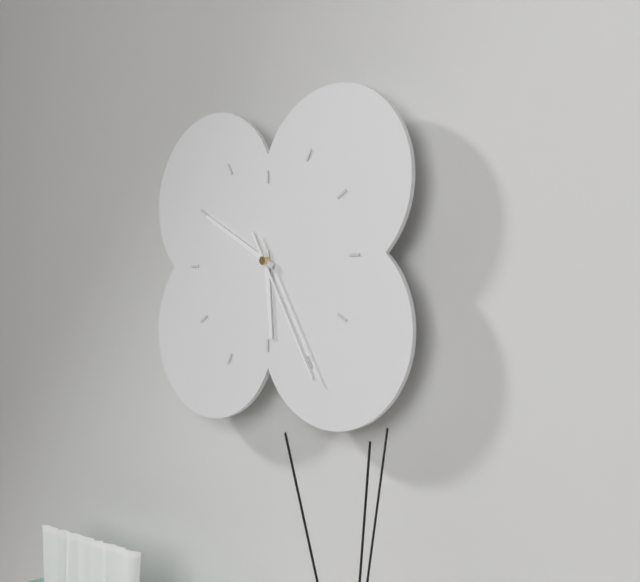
h=5 m=50 s=25
